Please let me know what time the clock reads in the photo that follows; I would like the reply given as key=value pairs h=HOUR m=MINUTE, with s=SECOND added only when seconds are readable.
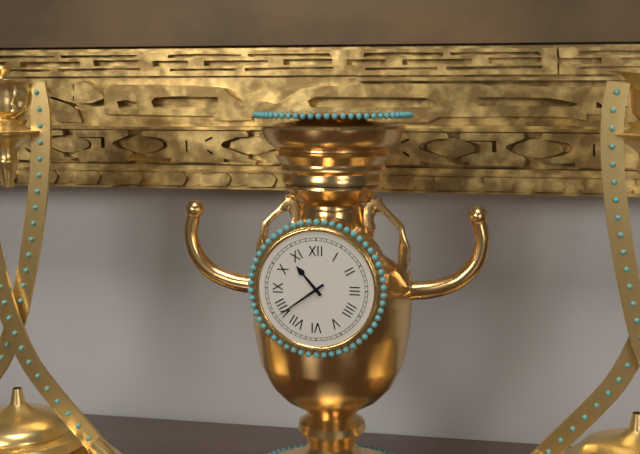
h=10 m=39
